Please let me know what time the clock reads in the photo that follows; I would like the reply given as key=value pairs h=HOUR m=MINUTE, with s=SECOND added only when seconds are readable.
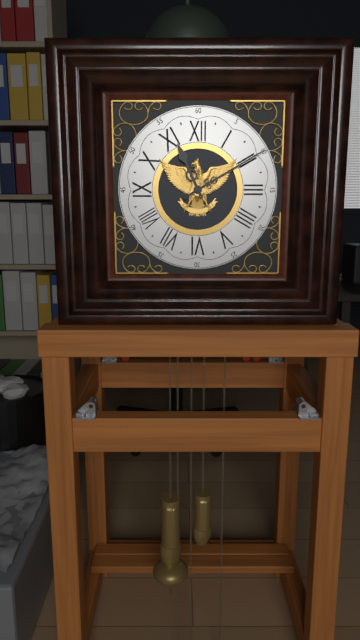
h=11 m=10
